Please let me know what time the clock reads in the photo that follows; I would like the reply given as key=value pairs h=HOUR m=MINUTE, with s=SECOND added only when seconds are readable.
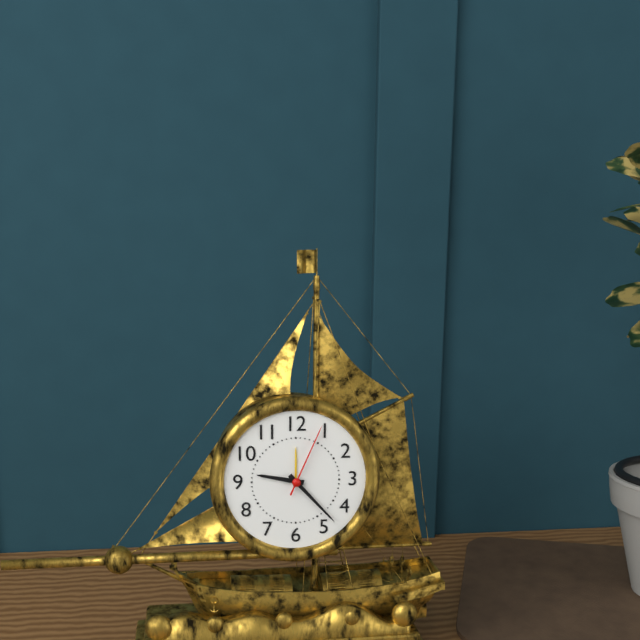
h=9 m=23 s=4
